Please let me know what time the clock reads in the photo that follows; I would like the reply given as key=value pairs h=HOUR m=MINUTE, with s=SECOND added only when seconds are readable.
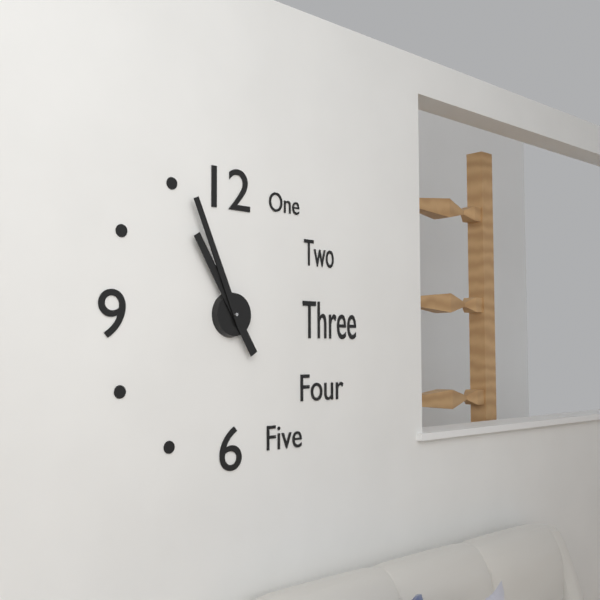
h=10 m=56
